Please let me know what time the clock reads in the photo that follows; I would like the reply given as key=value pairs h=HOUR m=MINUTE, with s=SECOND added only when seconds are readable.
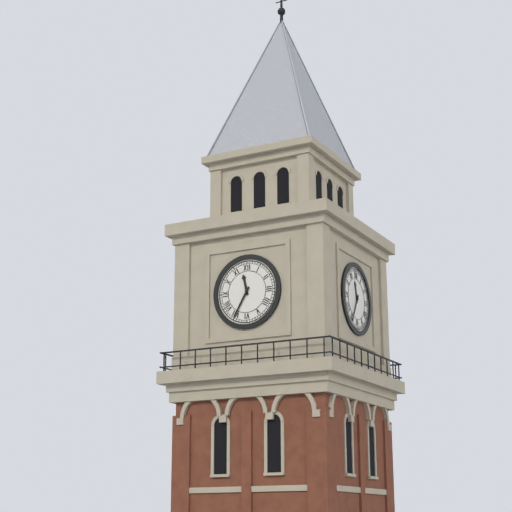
h=11 m=35
